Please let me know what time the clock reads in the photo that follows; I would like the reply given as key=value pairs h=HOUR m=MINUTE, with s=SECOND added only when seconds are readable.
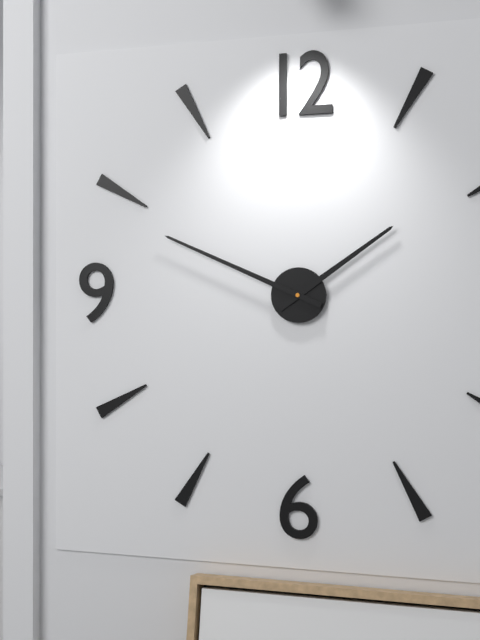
h=1 m=49
